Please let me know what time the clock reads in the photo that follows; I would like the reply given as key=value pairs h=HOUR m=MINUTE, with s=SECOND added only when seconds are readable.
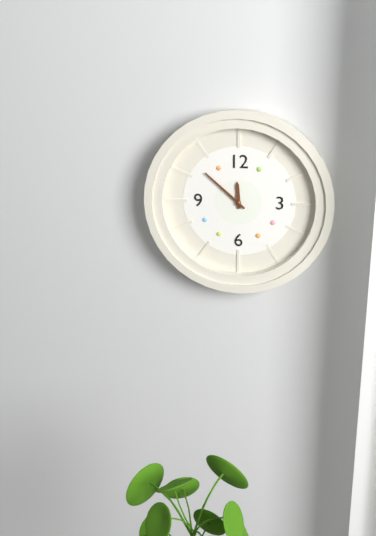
h=11 m=52
